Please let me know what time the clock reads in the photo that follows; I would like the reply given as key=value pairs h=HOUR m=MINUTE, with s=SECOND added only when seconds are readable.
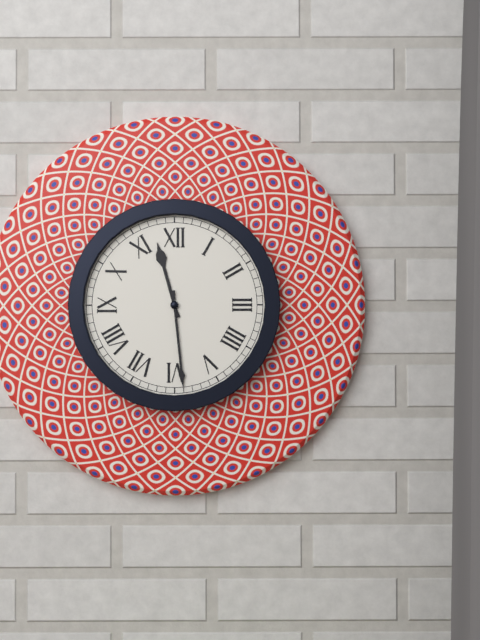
h=11 m=29
